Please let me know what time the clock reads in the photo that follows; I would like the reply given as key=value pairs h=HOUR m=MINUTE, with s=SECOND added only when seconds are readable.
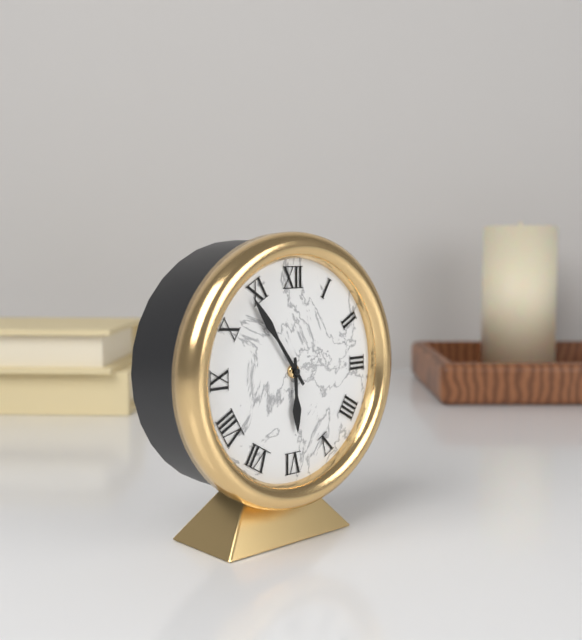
h=5 m=54
